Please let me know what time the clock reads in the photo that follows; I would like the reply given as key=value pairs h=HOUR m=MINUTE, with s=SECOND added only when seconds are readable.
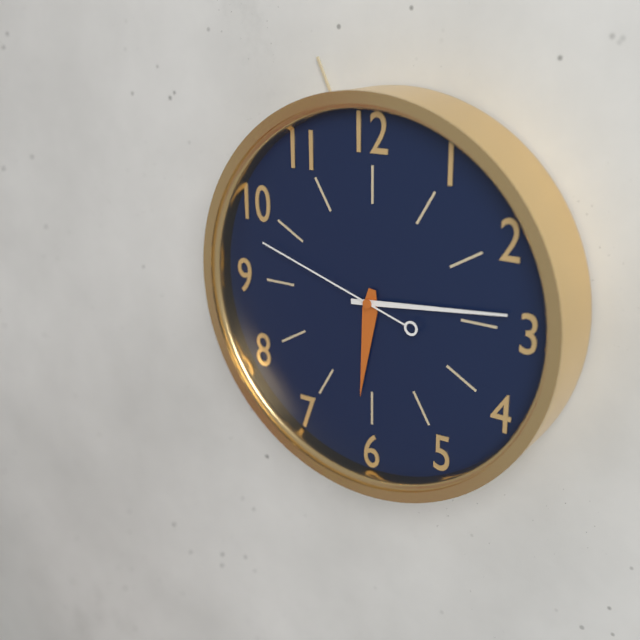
h=6 m=14 s=48
